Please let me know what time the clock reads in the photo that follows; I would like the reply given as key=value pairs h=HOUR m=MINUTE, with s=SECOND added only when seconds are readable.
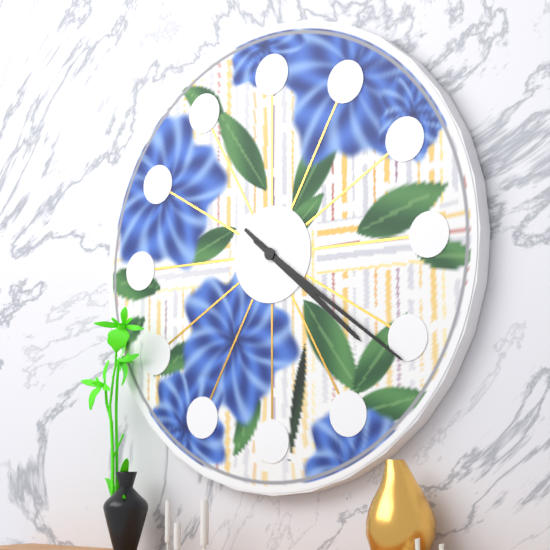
h=4 m=21
